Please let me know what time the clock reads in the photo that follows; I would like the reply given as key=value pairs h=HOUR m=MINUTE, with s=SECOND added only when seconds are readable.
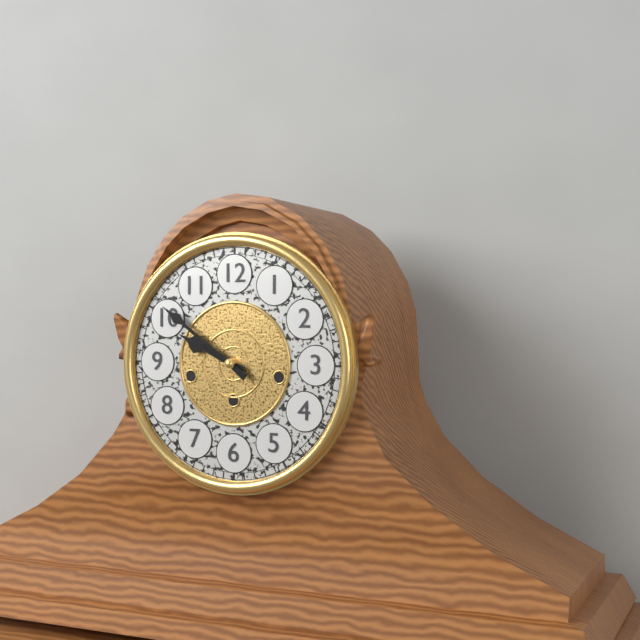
h=9 m=51
